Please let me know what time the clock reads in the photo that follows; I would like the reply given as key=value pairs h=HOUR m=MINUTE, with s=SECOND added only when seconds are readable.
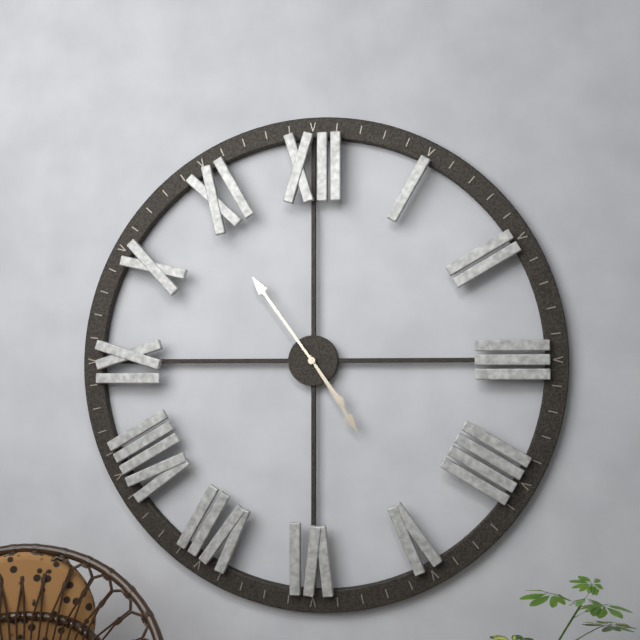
h=4 m=54
